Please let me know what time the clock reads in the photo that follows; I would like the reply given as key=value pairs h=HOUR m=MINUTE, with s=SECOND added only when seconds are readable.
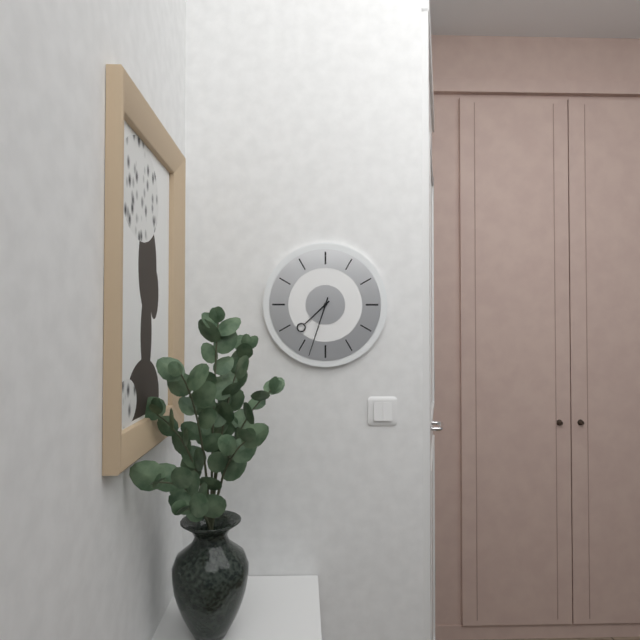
h=7 m=33
